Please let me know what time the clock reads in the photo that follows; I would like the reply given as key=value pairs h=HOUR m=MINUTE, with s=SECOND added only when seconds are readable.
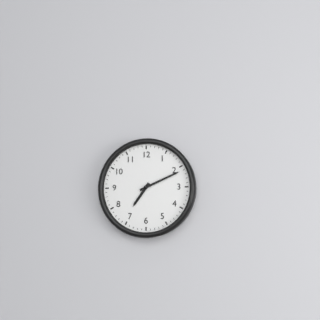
h=7 m=11
